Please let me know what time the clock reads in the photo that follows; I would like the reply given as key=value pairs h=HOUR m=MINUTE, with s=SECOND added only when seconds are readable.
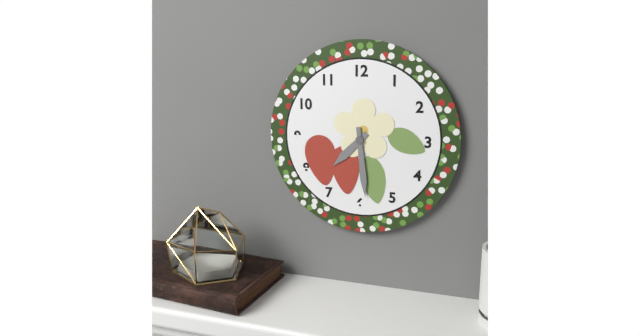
h=7 m=29
